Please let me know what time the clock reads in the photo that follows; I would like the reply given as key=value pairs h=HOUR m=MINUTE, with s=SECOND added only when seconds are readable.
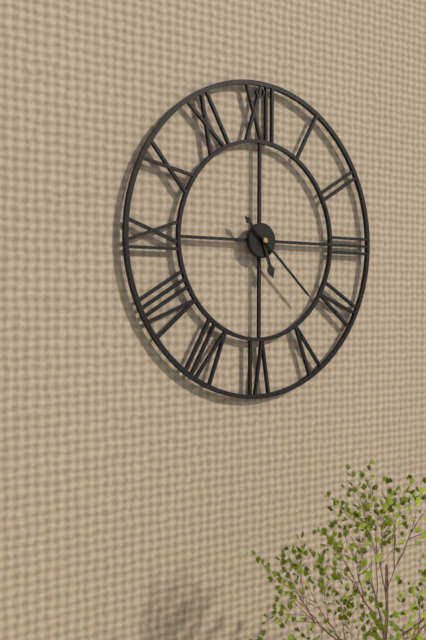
h=5 m=22
